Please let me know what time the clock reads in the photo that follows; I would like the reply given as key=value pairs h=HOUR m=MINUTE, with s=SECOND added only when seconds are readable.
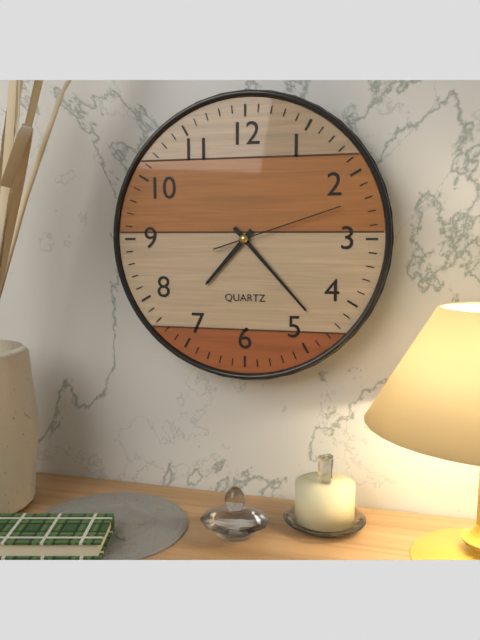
h=7 m=23 s=12
